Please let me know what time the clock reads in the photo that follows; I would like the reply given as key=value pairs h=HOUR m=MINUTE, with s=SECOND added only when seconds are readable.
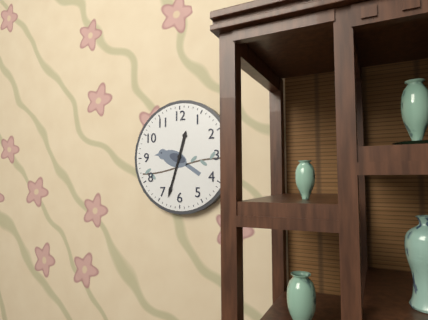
h=12 m=33
